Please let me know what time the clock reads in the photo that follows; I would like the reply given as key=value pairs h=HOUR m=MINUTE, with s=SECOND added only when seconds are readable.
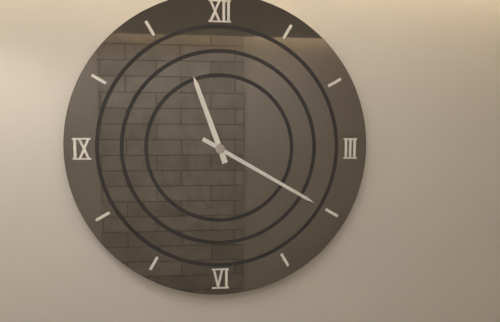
h=11 m=20
